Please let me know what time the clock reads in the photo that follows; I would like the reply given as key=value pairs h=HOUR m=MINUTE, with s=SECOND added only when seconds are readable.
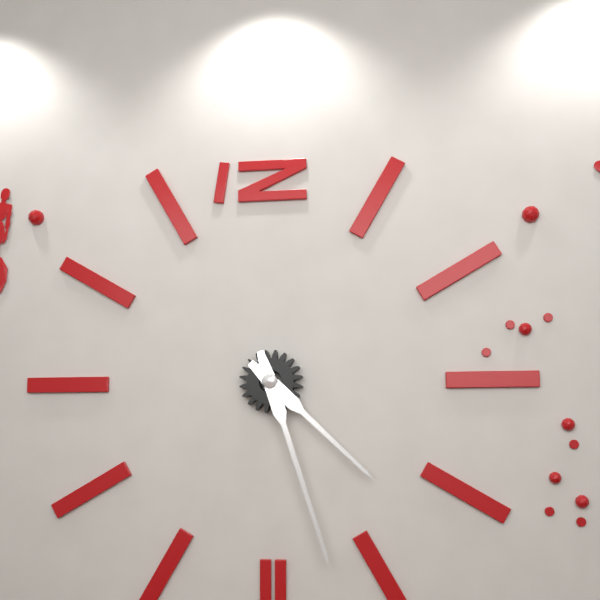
h=4 m=27
